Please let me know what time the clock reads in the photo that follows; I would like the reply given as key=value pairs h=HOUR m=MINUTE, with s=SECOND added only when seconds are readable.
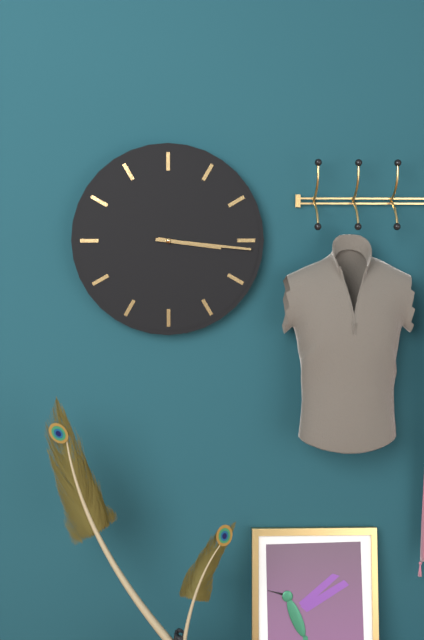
h=3 m=16
